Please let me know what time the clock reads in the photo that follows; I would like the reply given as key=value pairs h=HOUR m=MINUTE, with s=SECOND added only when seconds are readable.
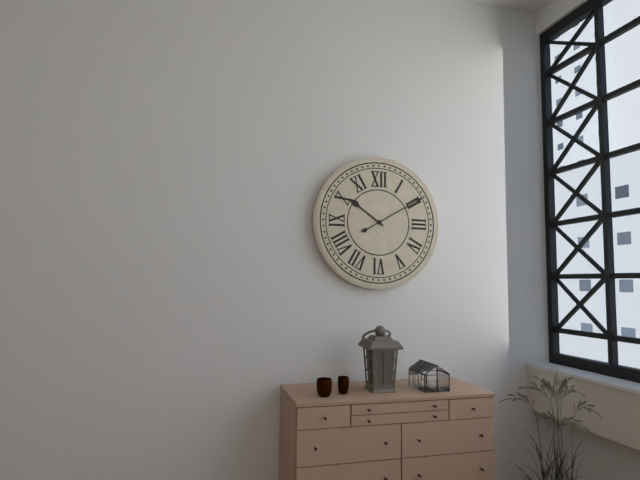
h=10 m=10
